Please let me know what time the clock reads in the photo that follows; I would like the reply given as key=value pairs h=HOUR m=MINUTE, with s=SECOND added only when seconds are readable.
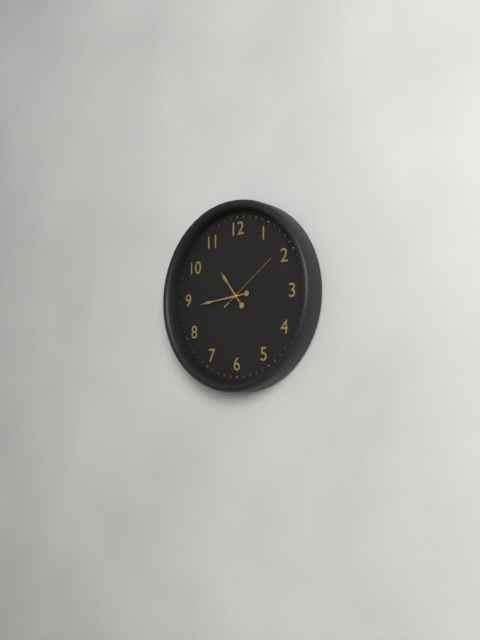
h=10 m=44 s=9
